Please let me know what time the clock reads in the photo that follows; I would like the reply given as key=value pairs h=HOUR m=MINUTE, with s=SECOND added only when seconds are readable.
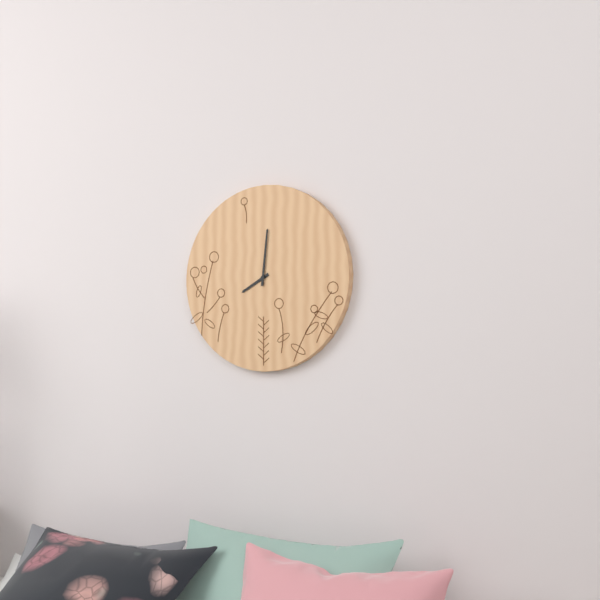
h=8 m=1
